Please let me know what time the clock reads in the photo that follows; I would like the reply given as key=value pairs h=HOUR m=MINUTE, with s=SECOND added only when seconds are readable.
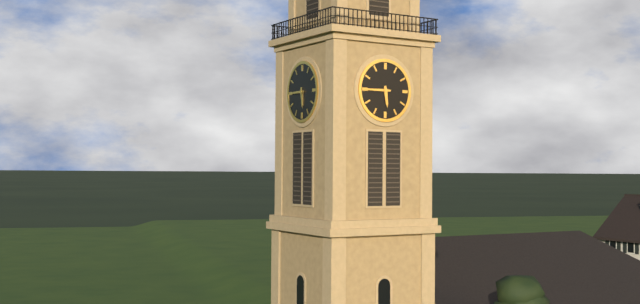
h=5 m=45
